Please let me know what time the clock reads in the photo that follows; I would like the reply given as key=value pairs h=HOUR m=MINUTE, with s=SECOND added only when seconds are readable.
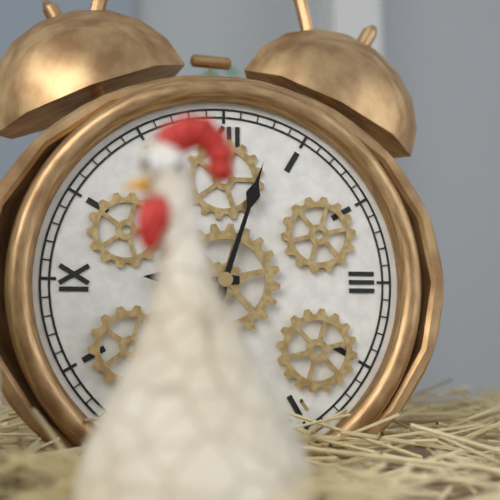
h=9 m=3
